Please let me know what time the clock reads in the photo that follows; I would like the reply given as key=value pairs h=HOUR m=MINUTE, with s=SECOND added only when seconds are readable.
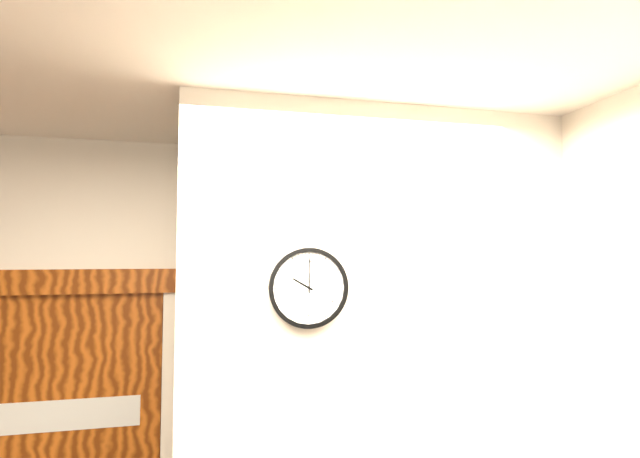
h=10 m=0
